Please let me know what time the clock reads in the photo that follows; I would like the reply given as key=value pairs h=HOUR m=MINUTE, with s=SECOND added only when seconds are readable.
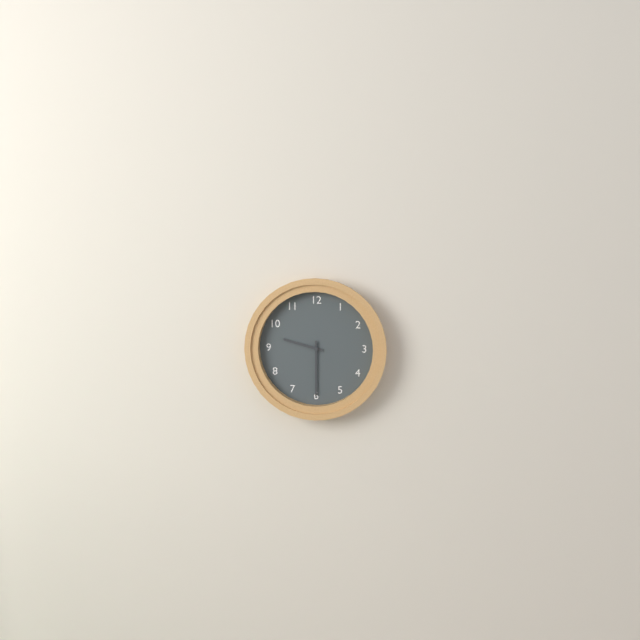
h=9 m=30
